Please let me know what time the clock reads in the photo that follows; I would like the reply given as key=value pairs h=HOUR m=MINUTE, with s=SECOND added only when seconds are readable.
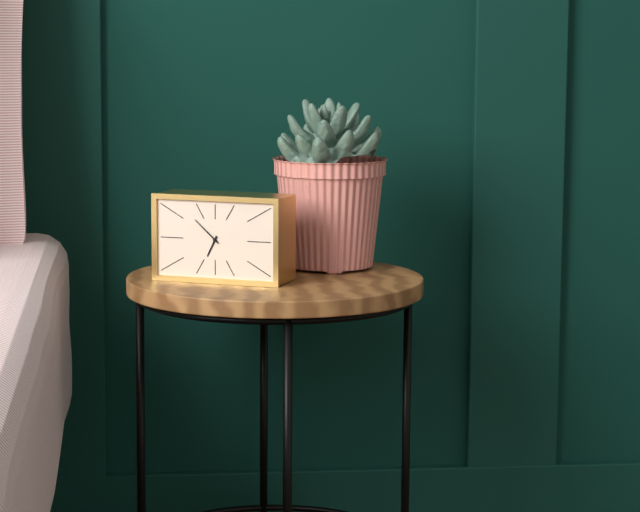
h=6 m=52
